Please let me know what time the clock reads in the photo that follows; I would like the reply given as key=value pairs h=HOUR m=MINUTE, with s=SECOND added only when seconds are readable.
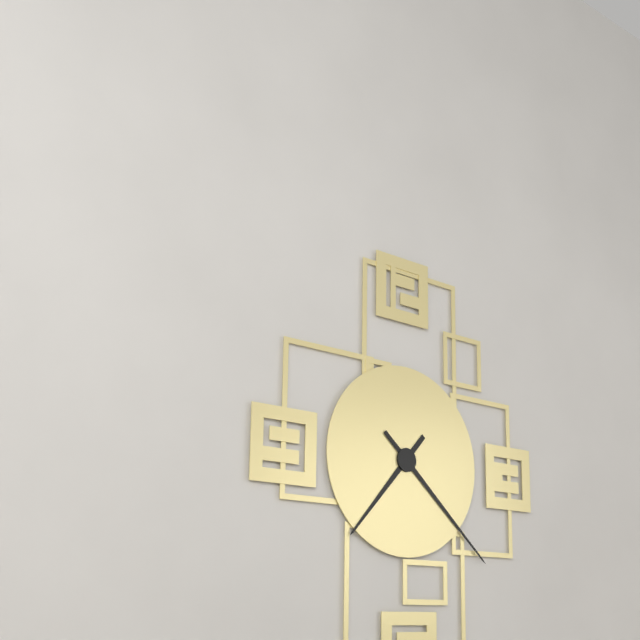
h=7 m=22
